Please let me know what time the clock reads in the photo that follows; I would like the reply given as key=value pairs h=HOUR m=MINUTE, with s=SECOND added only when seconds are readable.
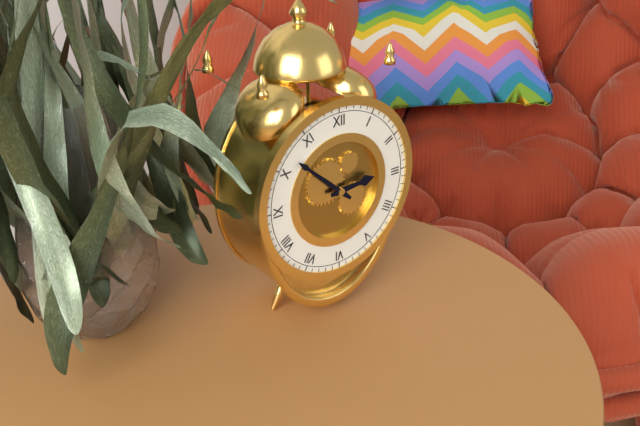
h=2 m=52
